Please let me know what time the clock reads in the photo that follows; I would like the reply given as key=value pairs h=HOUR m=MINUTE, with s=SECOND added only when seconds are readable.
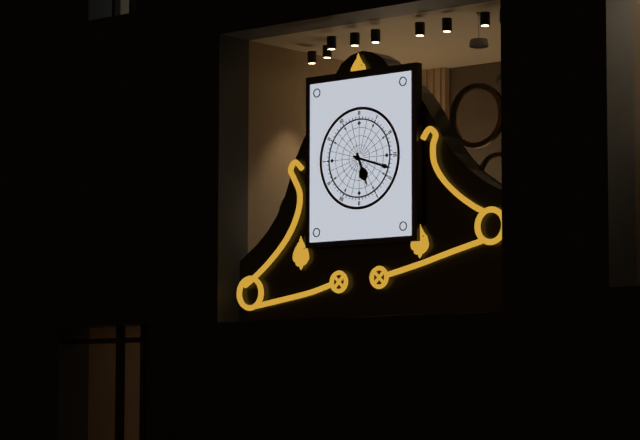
h=5 m=18
